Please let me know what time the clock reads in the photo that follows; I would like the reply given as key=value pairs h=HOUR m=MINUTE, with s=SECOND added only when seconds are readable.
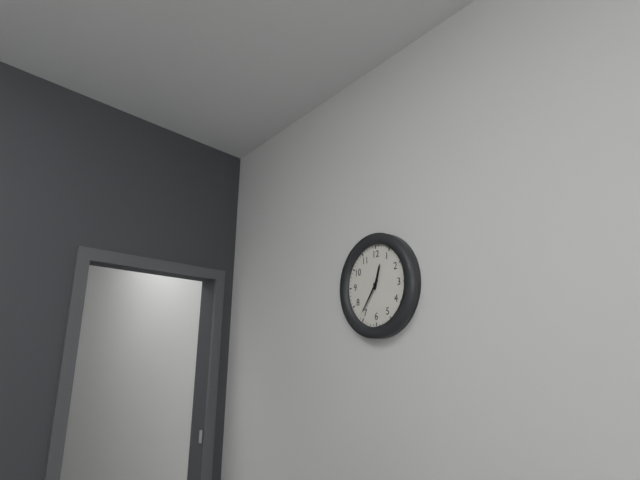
h=12 m=36
